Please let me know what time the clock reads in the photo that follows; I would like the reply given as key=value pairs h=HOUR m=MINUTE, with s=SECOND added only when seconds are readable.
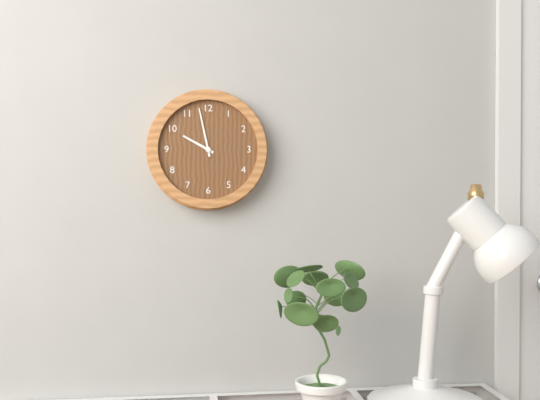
h=9 m=58
